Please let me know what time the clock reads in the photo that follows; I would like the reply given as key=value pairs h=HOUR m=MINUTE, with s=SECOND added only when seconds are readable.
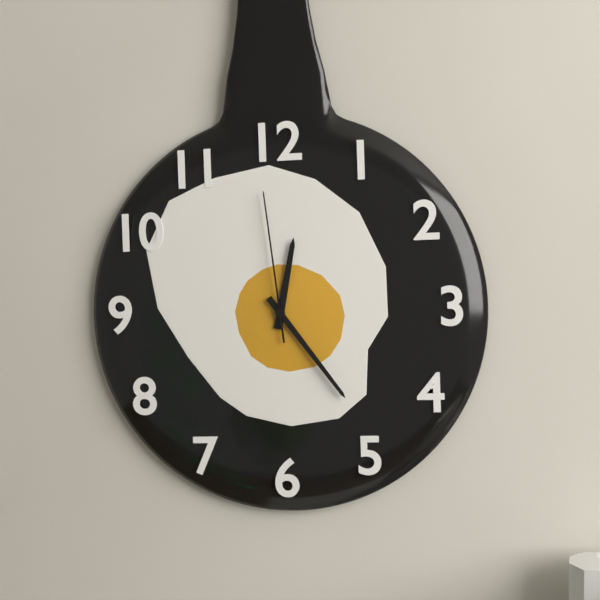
h=12 m=24 s=59
